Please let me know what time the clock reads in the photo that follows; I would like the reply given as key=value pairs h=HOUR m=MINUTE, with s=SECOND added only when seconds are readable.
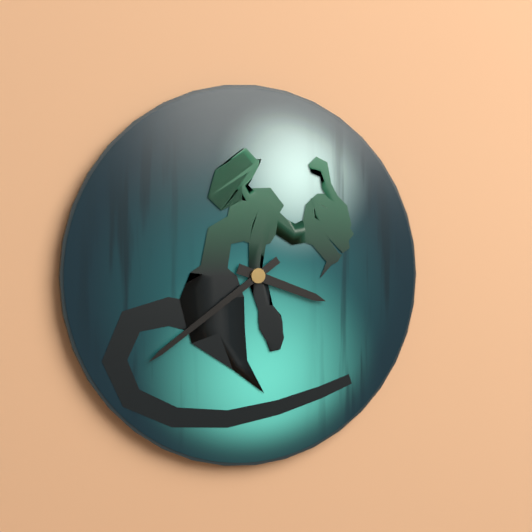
h=3 m=39
